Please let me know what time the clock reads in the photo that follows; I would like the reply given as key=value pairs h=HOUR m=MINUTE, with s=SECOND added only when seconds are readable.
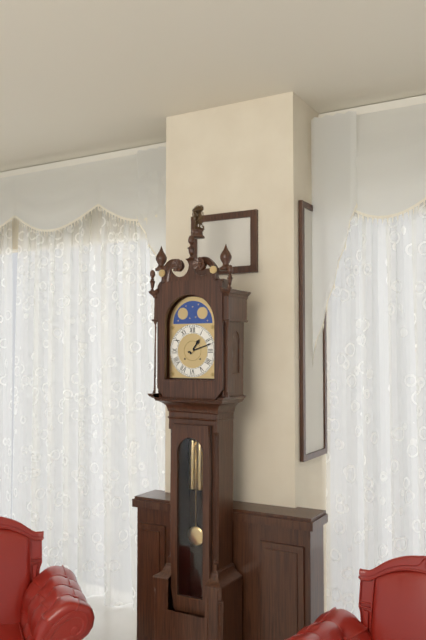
h=1 m=12
